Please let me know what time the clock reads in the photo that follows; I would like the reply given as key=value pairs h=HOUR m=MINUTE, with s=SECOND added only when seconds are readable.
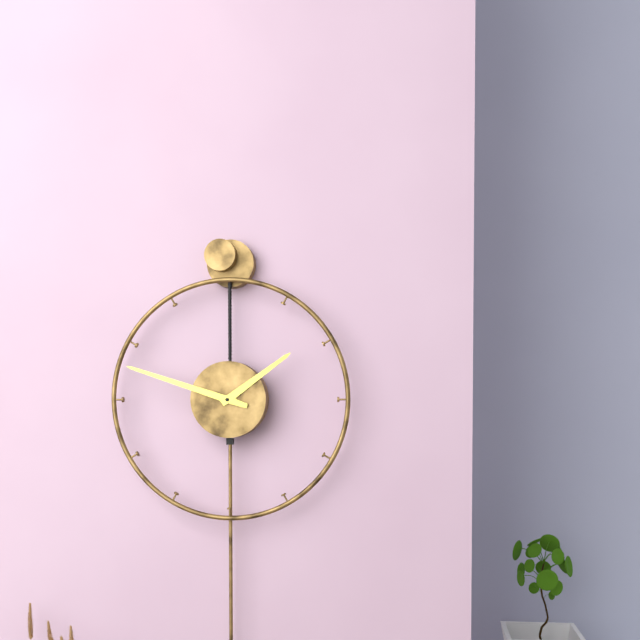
h=1 m=48
